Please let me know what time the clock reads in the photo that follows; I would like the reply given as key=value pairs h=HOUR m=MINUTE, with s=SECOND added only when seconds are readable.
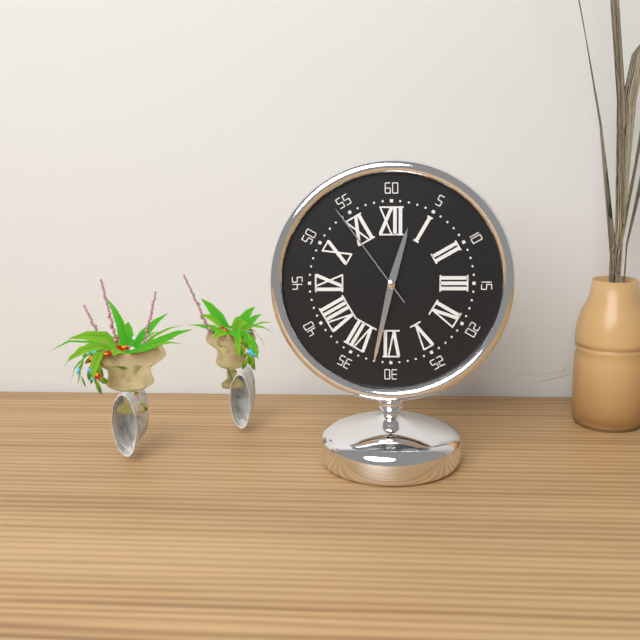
h=12 m=32 s=54
